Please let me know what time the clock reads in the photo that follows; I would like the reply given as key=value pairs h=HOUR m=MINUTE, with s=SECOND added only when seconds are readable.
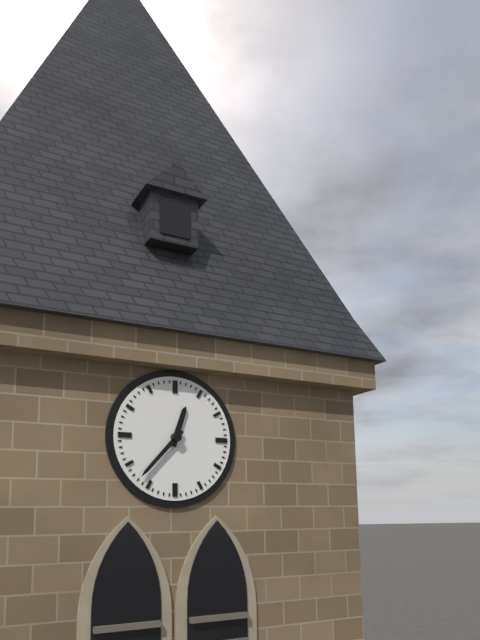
h=12 m=37
